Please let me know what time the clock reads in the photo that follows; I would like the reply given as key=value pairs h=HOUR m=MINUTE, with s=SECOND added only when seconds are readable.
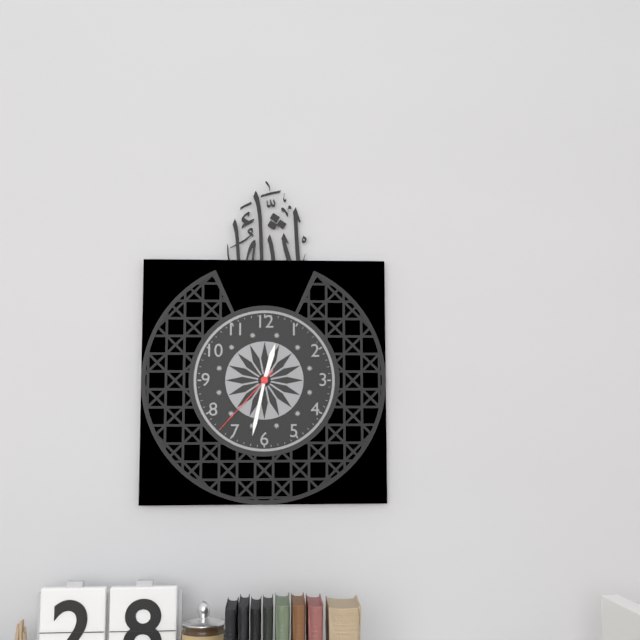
h=12 m=32 s=37
